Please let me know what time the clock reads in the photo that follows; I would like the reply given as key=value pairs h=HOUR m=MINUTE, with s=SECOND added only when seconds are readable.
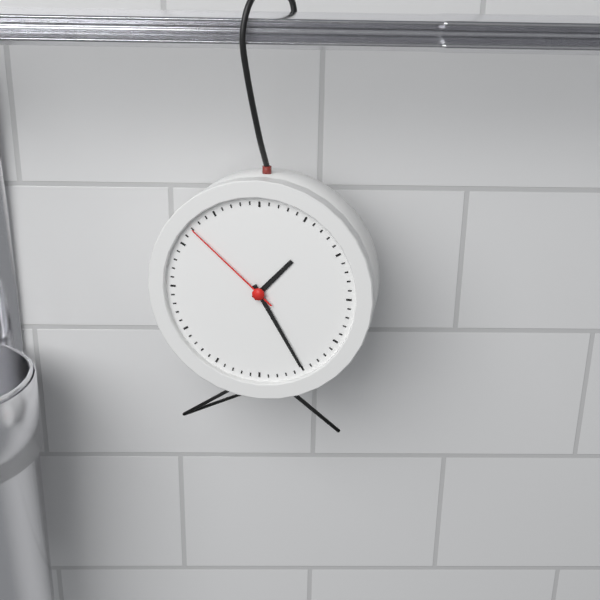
h=1 m=25 s=52
